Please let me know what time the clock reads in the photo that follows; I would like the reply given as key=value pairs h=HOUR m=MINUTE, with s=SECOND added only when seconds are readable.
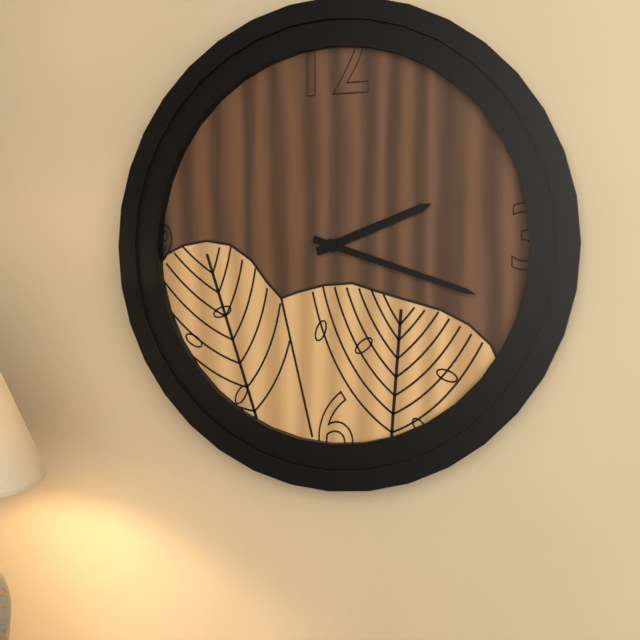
h=2 m=18
